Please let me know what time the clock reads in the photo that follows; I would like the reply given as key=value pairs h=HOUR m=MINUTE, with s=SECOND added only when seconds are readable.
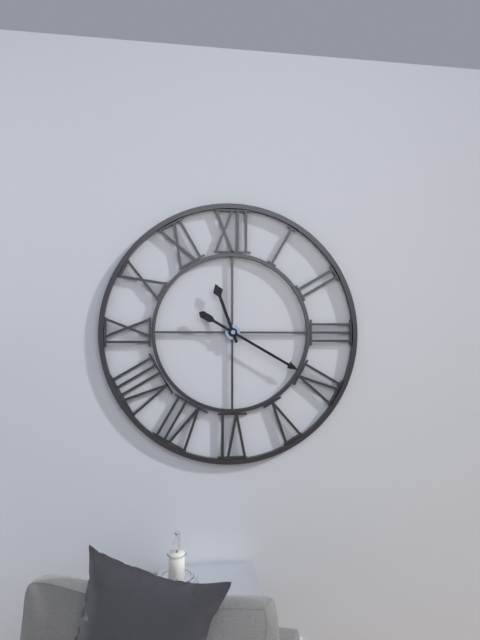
h=11 m=20
